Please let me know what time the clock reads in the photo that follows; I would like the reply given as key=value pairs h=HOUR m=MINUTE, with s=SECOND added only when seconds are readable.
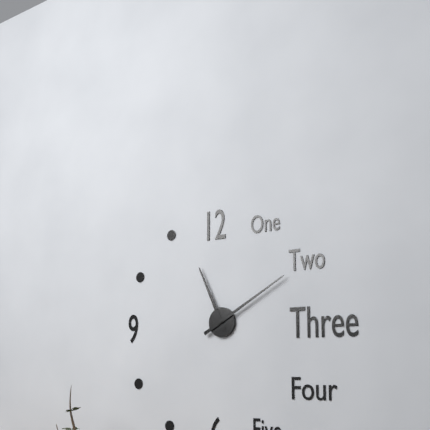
h=11 m=10
